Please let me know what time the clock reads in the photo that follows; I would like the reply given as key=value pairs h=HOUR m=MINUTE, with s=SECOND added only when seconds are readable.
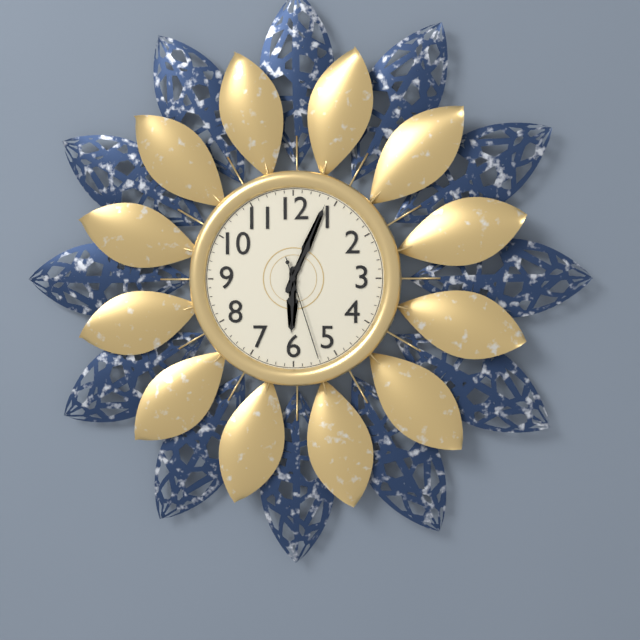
h=6 m=4 s=27
